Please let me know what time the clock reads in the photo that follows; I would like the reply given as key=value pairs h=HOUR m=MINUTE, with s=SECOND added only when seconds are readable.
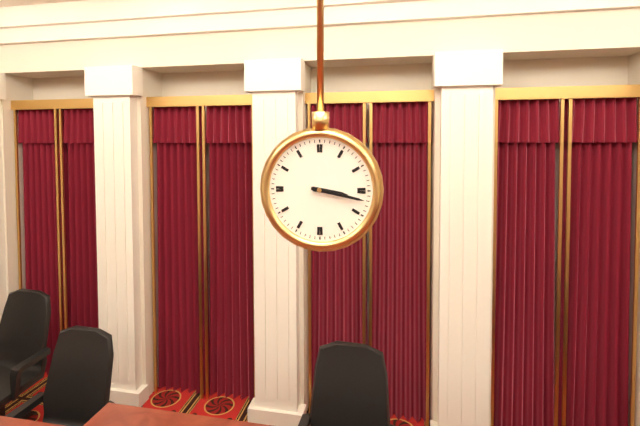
h=3 m=17
